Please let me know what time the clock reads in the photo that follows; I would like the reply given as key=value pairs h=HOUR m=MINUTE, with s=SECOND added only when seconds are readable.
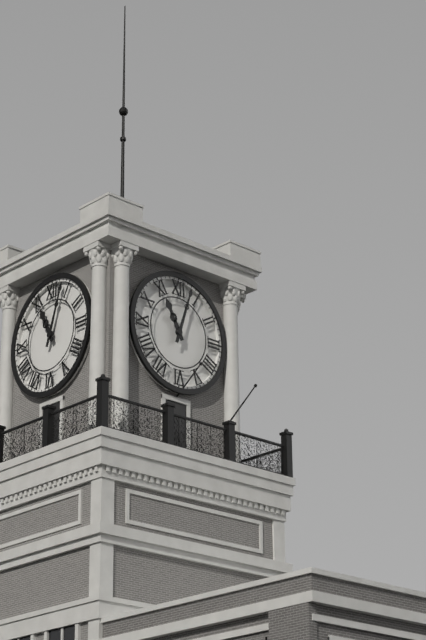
h=11 m=3
